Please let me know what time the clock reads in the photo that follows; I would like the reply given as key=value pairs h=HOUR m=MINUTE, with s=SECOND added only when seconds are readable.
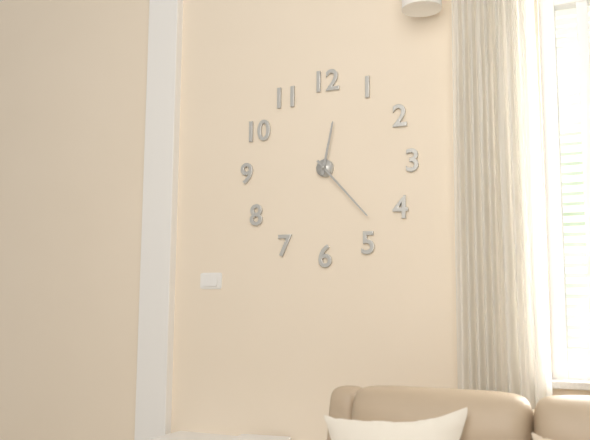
h=12 m=23
